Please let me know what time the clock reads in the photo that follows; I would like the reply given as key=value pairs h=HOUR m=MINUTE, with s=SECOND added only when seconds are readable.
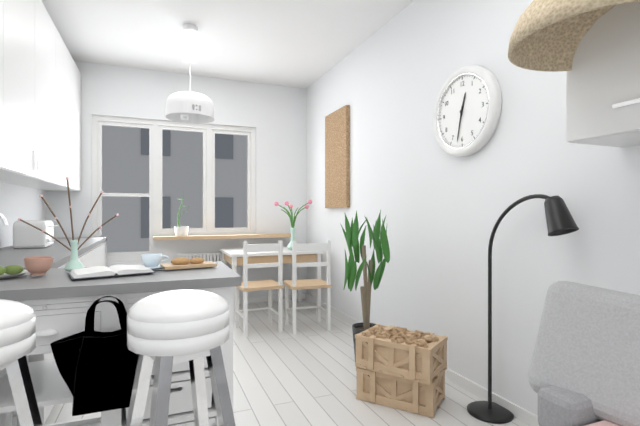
h=12 m=32
